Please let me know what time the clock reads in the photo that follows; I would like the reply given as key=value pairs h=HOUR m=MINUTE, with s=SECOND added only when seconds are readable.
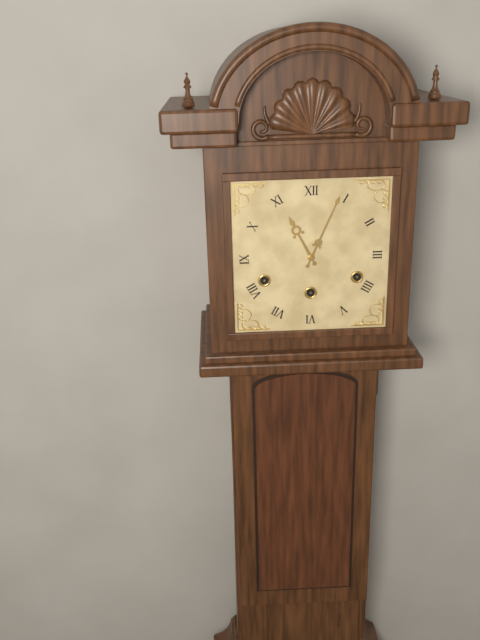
h=11 m=4
